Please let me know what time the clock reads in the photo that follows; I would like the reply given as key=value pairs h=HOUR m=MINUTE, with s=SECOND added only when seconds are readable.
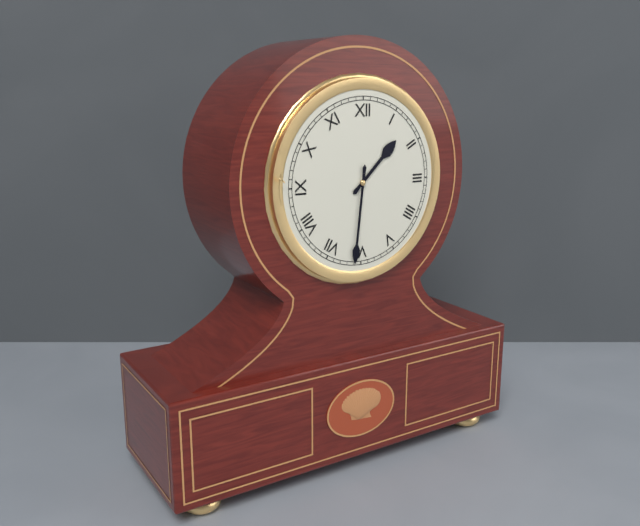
h=1 m=31
